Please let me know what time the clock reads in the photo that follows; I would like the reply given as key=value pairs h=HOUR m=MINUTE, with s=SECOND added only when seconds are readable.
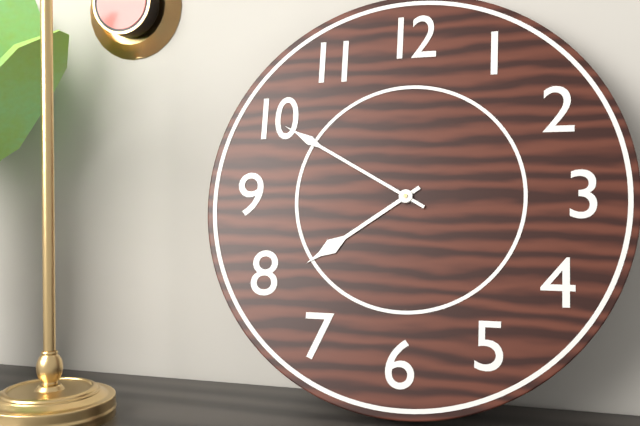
h=7 m=50
